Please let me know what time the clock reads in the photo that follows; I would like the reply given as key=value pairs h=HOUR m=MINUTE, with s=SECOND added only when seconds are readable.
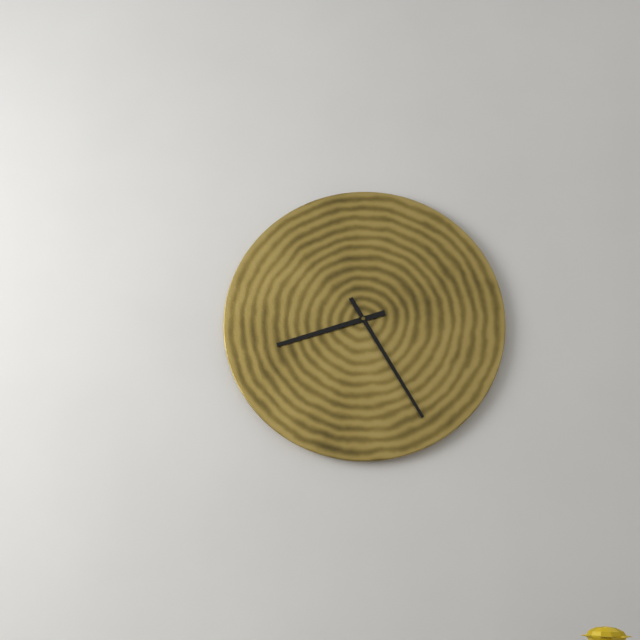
h=8 m=25
